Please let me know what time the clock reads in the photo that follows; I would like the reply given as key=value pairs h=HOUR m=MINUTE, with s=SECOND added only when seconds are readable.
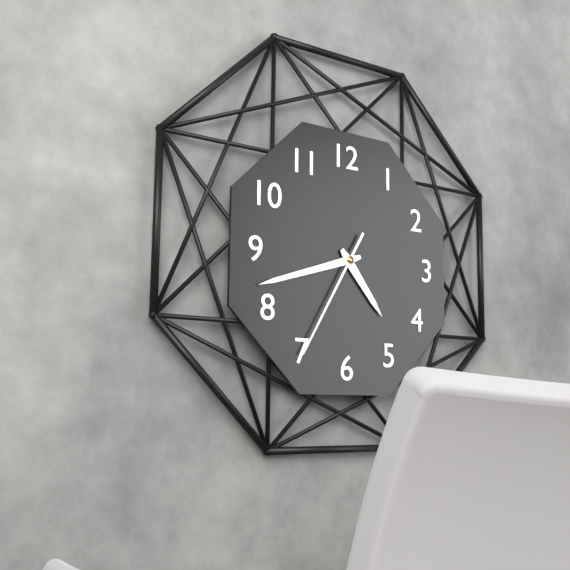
h=4 m=42 s=35
